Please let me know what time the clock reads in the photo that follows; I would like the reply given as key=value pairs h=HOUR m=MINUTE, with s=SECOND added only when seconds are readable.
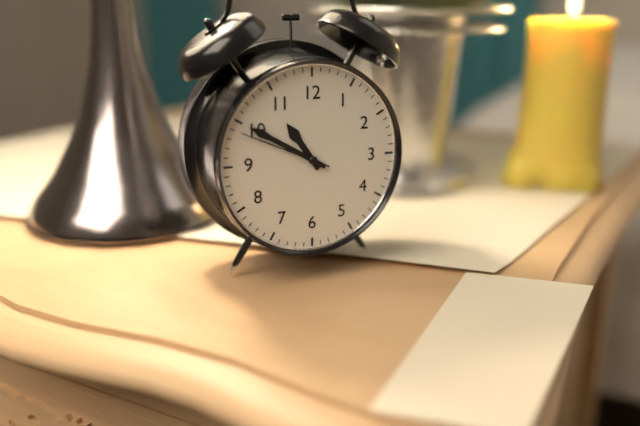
h=10 m=50 s=49
